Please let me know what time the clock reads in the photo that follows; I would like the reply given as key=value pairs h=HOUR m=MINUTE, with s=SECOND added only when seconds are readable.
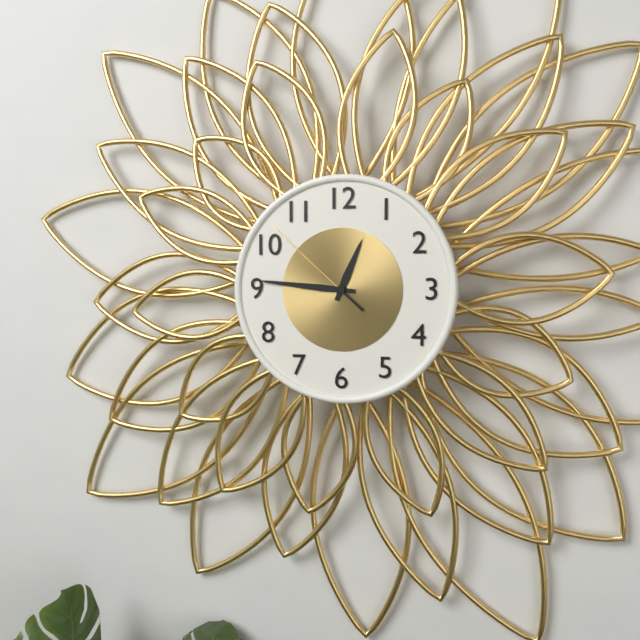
h=12 m=46 s=52
